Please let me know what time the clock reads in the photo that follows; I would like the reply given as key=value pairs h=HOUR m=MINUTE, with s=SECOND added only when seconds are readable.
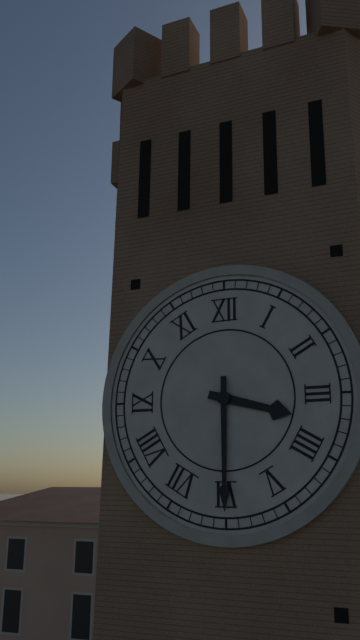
h=3 m=30
